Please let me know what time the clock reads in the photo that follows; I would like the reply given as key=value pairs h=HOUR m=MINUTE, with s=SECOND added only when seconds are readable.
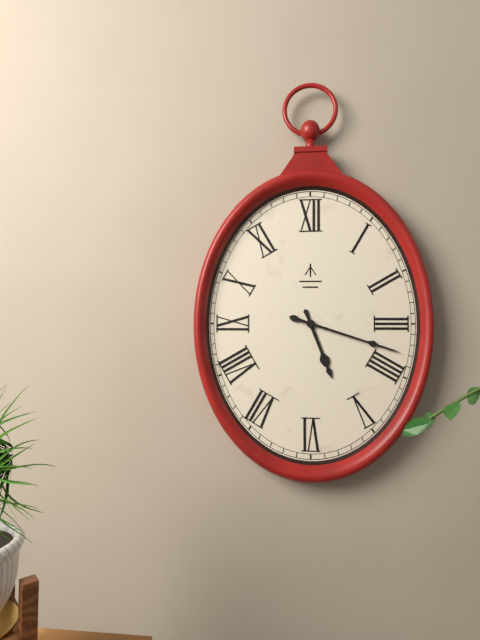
h=5 m=18
